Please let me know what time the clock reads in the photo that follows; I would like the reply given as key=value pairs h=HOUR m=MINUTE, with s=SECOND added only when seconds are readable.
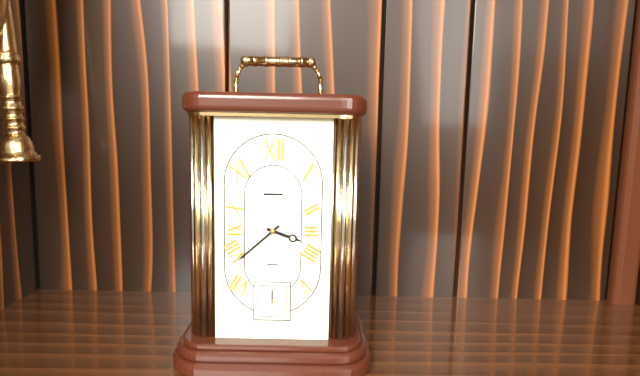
h=3 m=38
